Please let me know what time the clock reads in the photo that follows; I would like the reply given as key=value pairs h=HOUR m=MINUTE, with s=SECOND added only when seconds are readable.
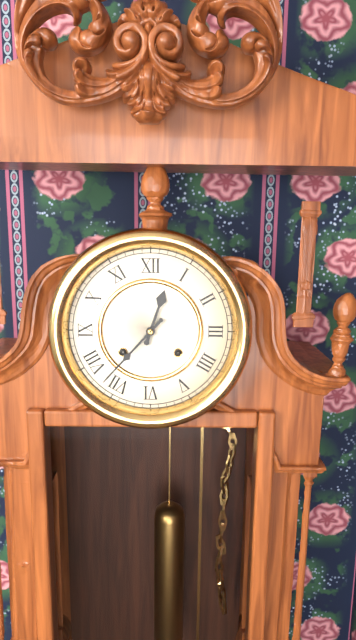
h=12 m=37
